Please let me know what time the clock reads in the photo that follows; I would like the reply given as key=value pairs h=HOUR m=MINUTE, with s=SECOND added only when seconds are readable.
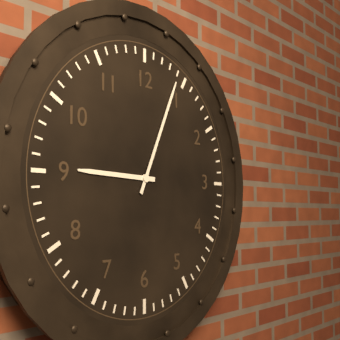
h=9 m=4
